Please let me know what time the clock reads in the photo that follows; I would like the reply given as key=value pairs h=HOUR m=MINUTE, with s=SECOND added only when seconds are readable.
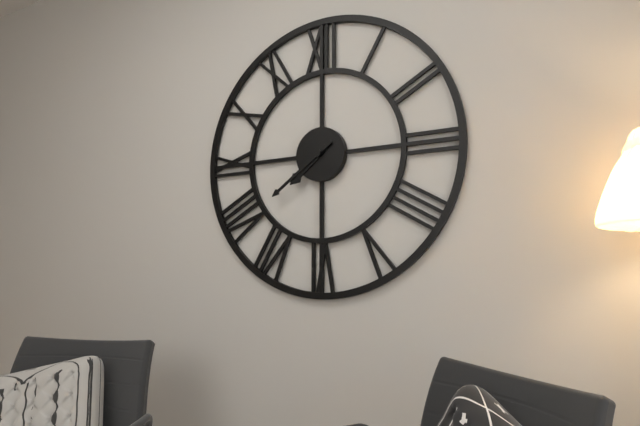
h=7 m=39
